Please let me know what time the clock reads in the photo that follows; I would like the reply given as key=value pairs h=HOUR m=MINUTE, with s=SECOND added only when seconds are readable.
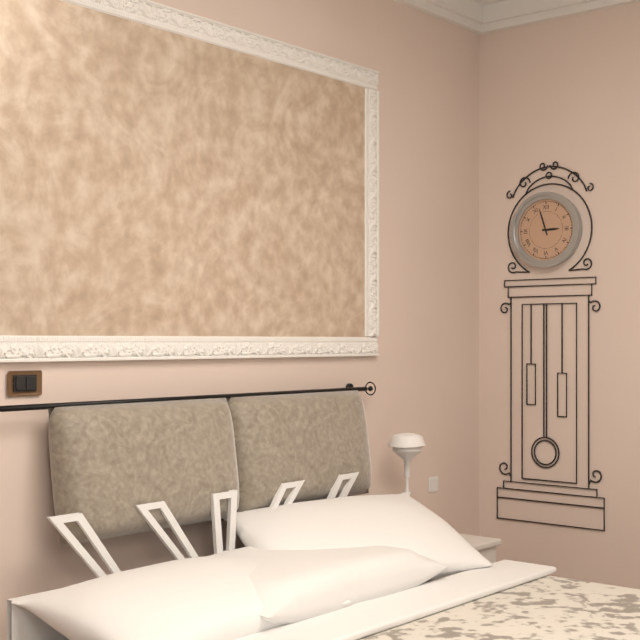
h=2 m=57
